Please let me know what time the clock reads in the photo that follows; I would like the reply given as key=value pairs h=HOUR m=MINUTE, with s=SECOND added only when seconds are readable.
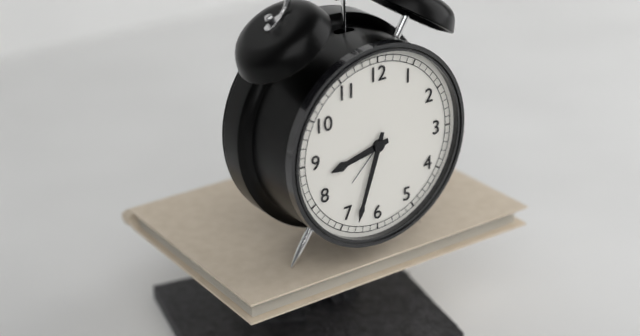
h=8 m=33
